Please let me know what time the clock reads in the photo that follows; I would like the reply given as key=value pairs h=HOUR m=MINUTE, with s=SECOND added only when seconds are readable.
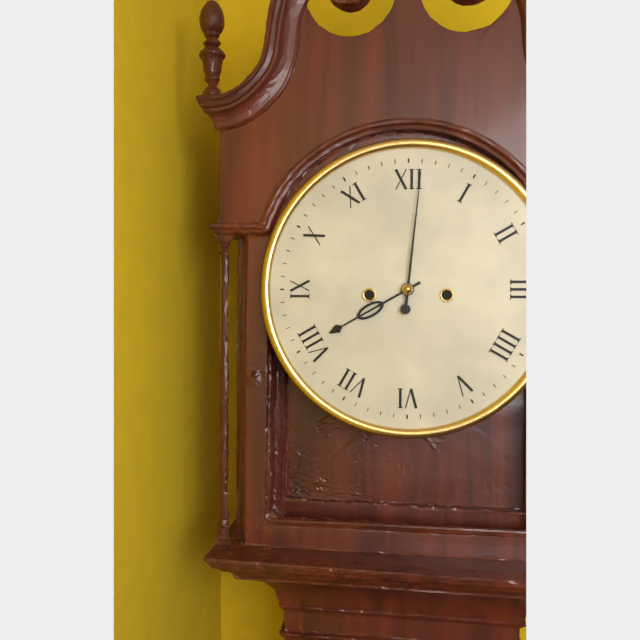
h=8 m=1
